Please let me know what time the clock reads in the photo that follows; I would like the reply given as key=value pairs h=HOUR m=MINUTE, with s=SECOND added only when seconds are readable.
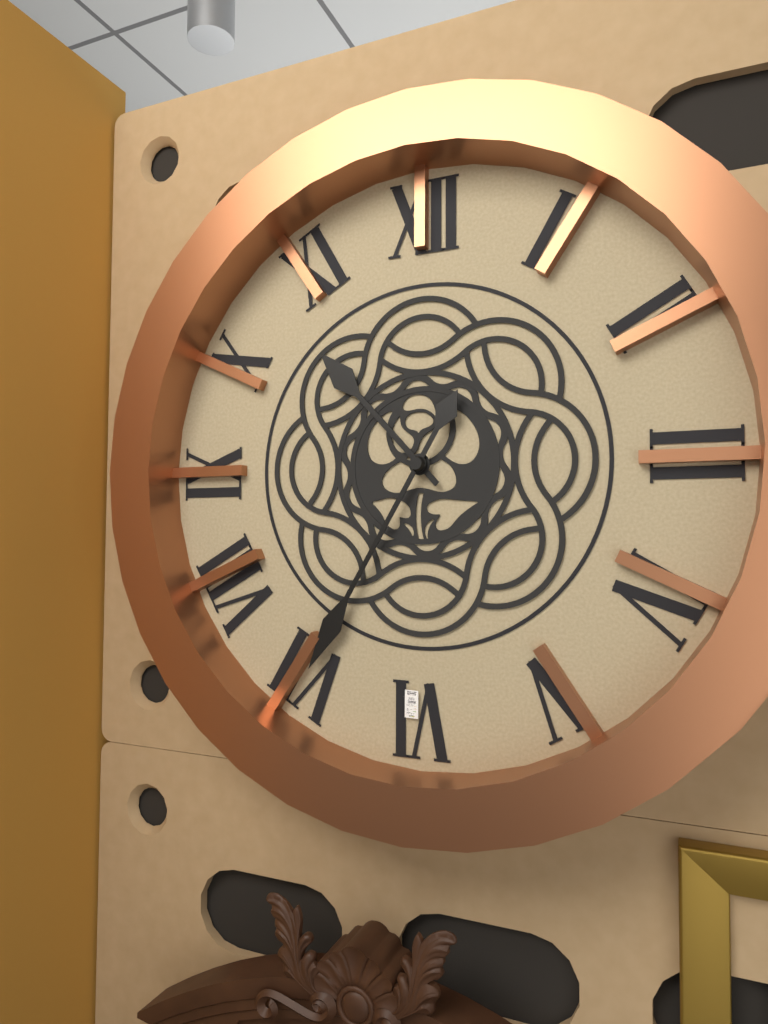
h=10 m=35
